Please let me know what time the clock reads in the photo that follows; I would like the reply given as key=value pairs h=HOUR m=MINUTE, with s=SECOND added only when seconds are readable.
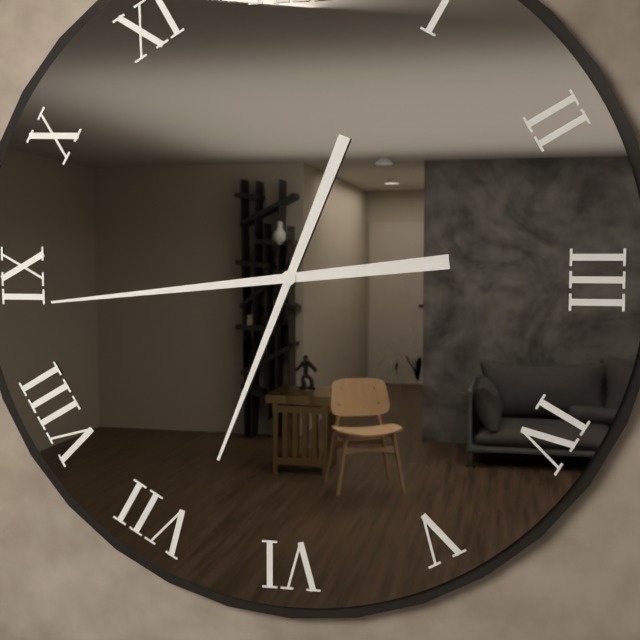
h=6 m=44
